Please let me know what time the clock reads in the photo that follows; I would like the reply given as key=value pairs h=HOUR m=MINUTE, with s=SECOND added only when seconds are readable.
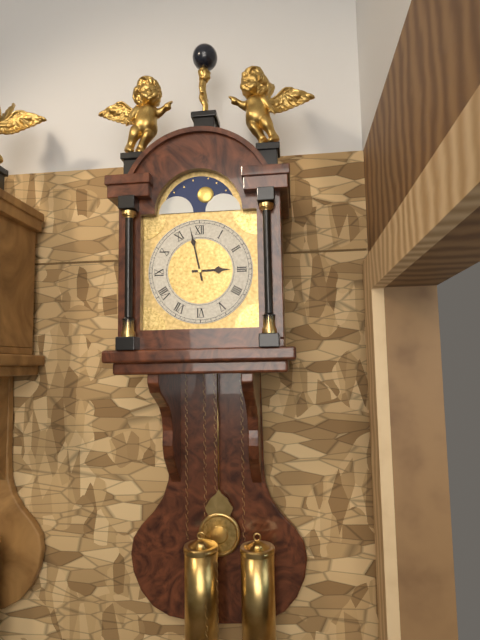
h=2 m=58
